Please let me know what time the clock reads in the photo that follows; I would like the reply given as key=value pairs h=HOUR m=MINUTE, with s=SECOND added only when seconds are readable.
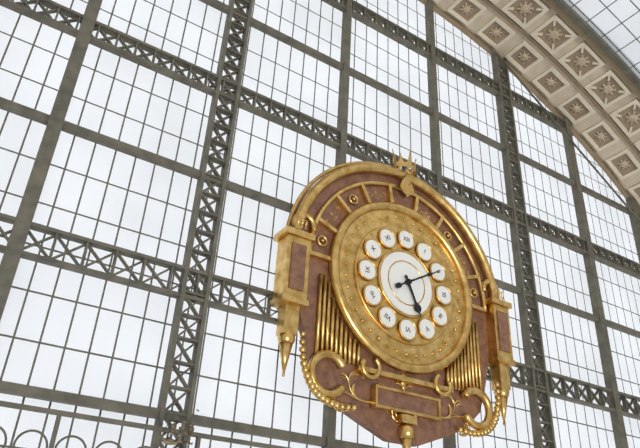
h=5 m=10
